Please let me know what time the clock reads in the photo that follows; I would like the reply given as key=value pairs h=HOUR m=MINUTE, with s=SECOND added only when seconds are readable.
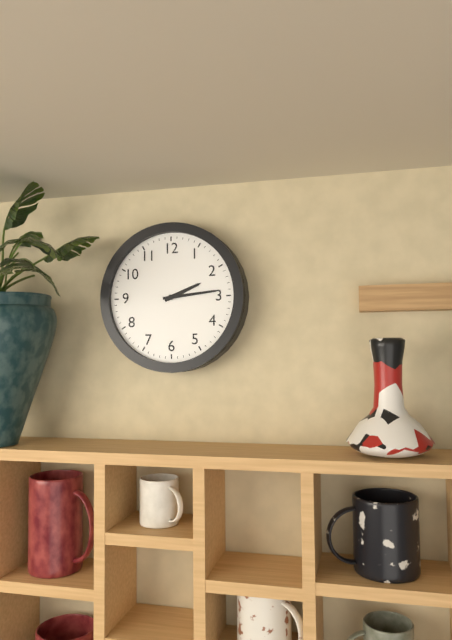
h=2 m=14
